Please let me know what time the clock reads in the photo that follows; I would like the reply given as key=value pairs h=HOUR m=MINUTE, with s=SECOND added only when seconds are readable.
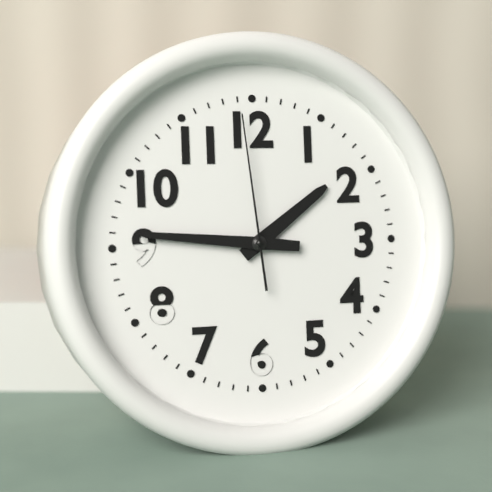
h=1 m=46 s=59
